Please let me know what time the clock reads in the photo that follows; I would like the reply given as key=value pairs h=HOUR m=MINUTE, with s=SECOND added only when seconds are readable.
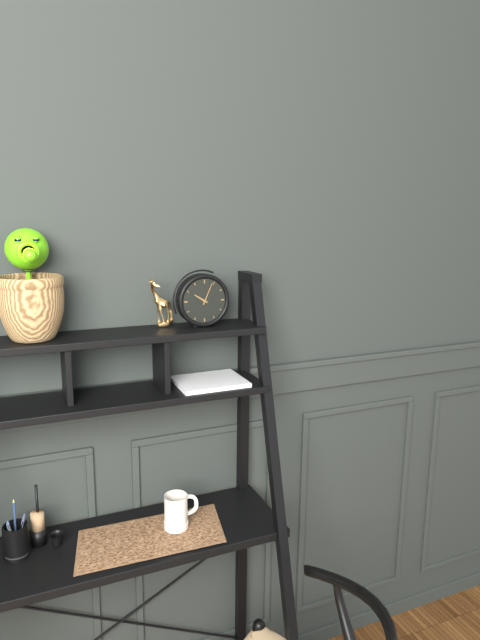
h=10 m=4
